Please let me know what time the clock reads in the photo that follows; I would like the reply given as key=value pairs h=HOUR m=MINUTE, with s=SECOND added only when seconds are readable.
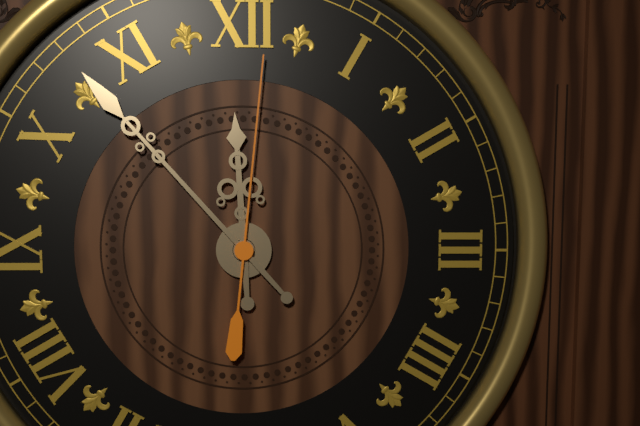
h=11 m=53 s=1
